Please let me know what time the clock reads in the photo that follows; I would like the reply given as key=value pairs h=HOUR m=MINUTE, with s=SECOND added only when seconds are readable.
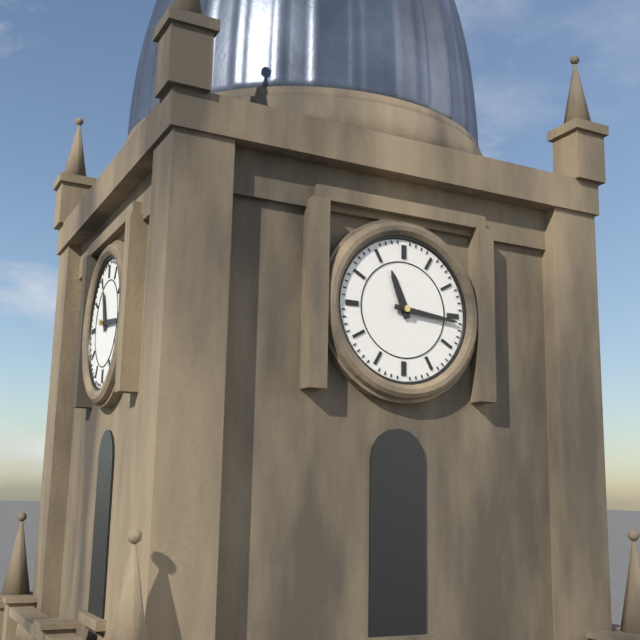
h=11 m=16
